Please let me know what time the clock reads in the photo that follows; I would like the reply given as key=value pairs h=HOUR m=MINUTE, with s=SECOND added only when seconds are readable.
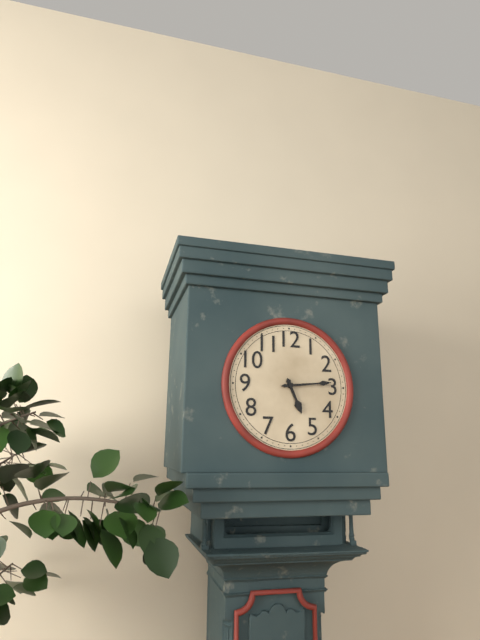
h=5 m=14
